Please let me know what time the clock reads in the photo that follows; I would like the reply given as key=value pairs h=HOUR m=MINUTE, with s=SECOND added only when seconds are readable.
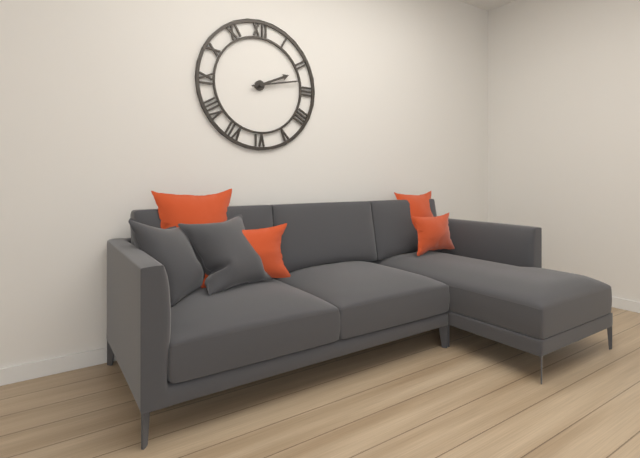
h=2 m=13
